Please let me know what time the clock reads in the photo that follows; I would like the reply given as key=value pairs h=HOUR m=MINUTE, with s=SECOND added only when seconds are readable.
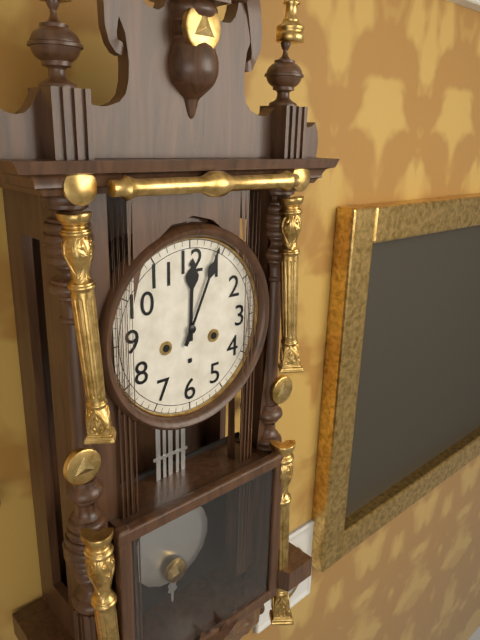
h=12 m=4
